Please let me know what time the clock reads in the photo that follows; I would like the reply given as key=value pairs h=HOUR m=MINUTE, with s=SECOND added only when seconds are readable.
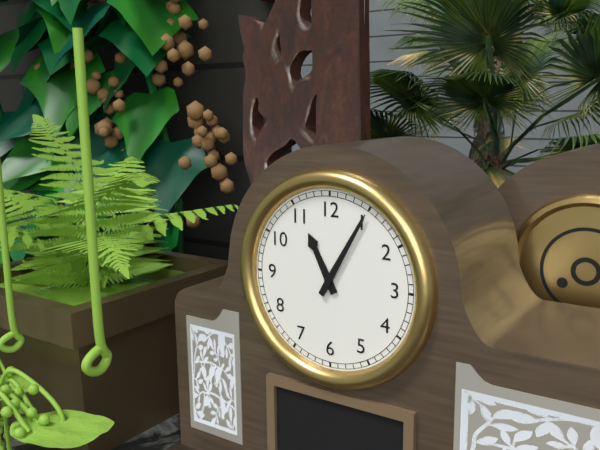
h=11 m=5
